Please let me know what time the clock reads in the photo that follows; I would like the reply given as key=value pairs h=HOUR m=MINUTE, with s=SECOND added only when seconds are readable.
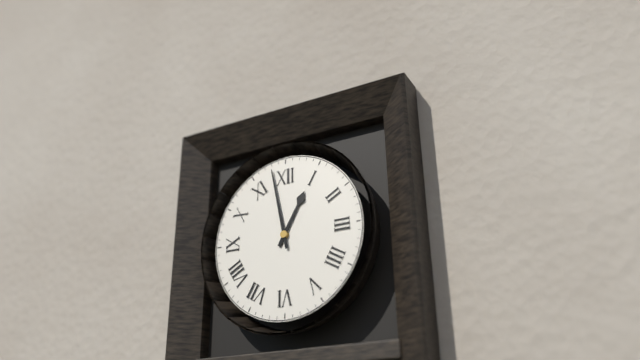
h=12 m=58
